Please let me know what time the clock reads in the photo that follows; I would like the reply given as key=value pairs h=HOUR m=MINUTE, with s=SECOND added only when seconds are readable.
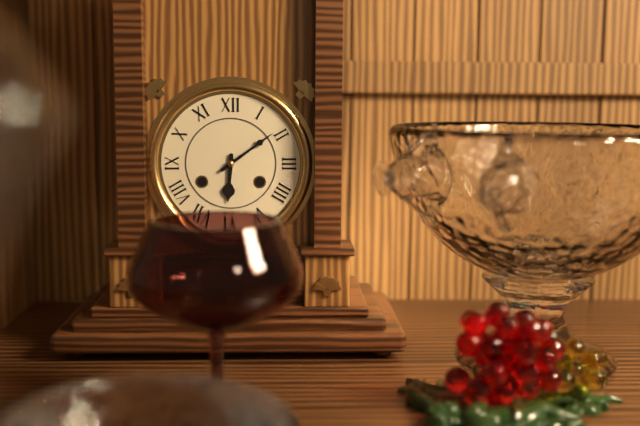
h=6 m=9
